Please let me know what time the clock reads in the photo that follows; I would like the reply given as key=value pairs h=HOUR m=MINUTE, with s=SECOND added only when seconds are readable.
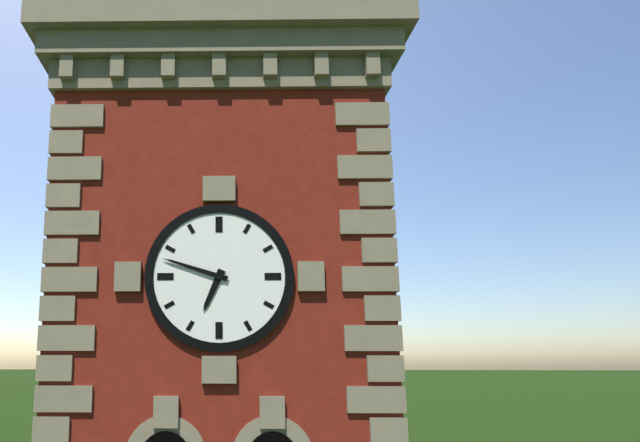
h=6 m=48
